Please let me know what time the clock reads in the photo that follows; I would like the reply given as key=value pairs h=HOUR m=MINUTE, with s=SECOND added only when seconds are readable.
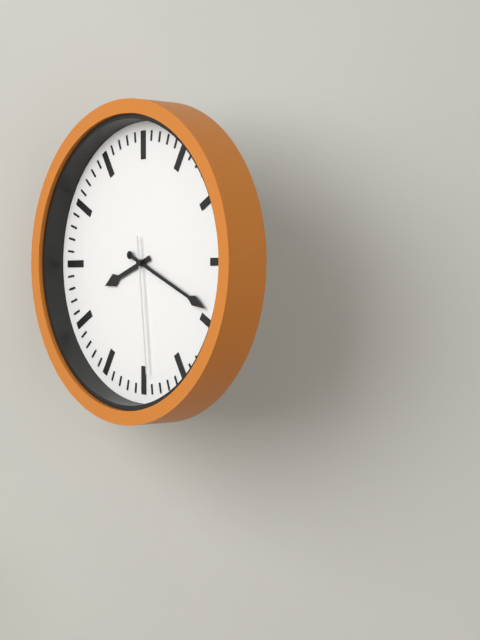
h=8 m=19 s=29
